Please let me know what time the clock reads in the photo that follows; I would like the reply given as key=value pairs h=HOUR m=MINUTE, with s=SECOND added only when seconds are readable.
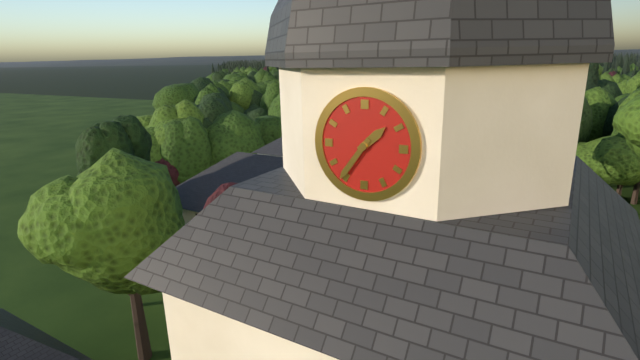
h=1 m=36
